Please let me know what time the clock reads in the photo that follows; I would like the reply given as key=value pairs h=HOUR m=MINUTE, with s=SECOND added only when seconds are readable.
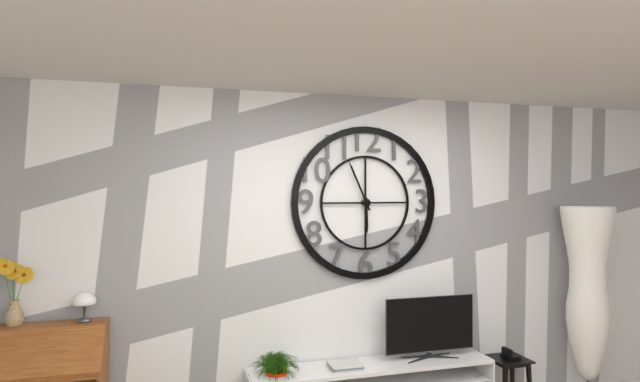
h=5 m=56
